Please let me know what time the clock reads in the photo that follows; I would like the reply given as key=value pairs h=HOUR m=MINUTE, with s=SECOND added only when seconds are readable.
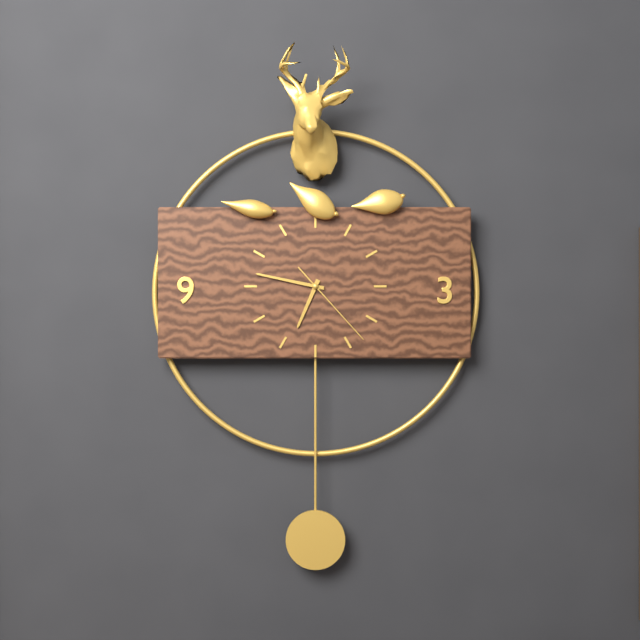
h=6 m=47 s=23
